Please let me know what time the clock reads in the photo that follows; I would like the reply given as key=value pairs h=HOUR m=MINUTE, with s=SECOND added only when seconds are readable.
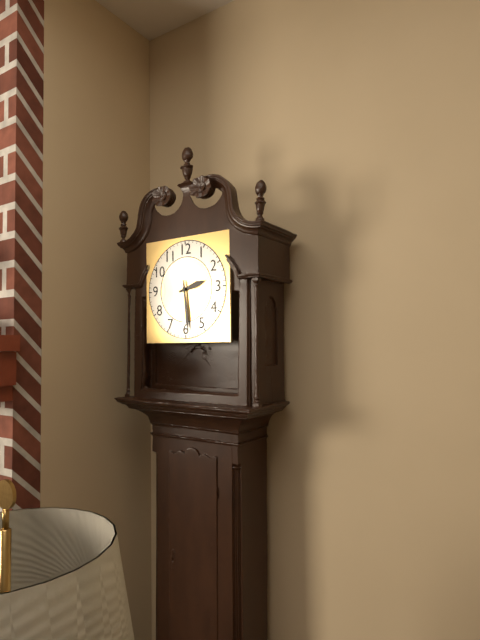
h=2 m=29
